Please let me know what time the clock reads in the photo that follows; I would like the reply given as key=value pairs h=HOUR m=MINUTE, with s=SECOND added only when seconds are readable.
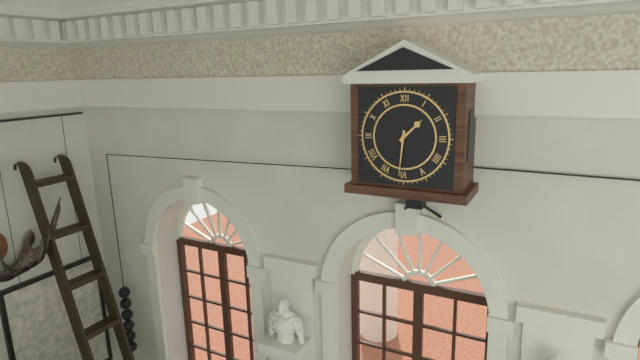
h=1 m=31
